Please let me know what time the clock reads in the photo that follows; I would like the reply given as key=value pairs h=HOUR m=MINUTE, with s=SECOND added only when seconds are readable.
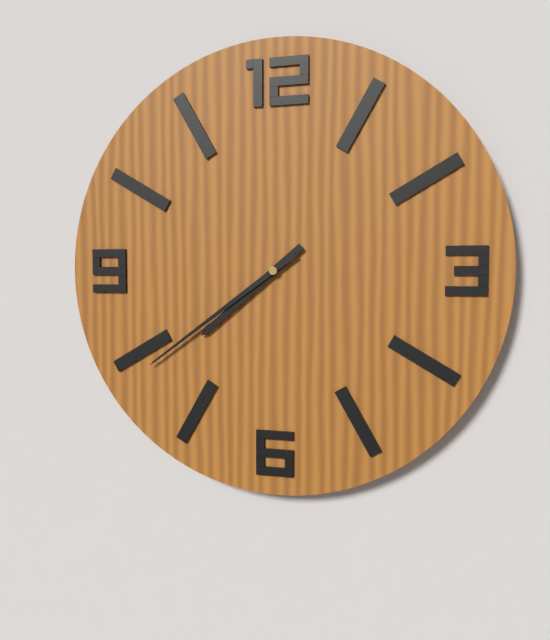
h=7 m=39
